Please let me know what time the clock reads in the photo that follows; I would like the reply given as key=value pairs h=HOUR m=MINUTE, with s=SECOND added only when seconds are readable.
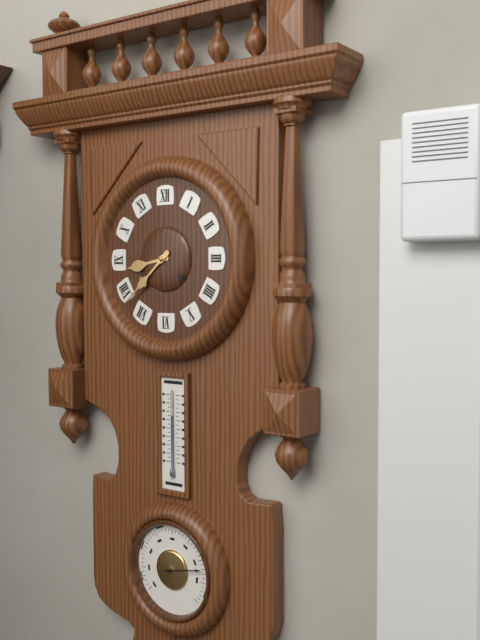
h=8 m=38
